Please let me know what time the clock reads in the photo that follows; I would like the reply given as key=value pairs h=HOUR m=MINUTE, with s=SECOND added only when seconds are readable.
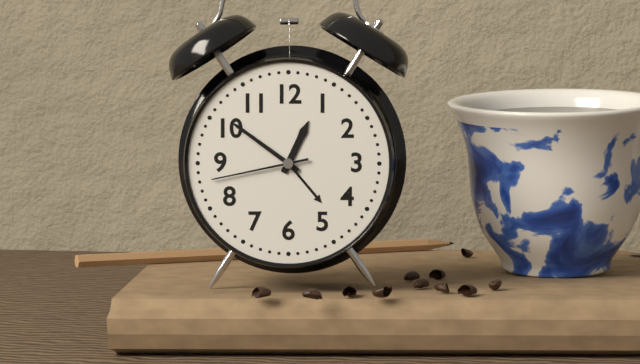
h=12 m=51 s=43
